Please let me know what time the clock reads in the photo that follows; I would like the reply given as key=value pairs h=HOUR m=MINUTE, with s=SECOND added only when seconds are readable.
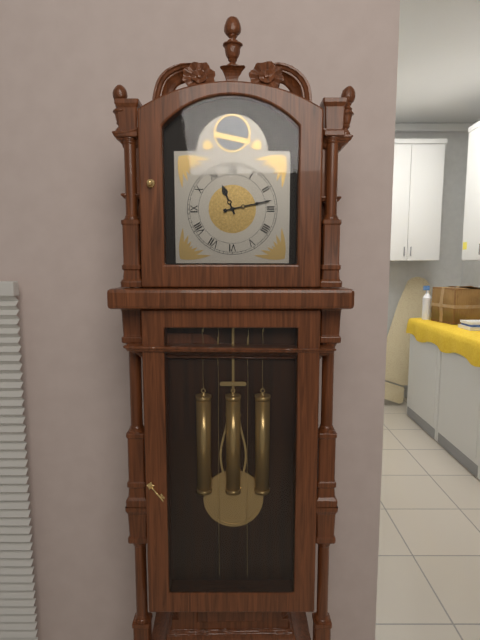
h=11 m=13
